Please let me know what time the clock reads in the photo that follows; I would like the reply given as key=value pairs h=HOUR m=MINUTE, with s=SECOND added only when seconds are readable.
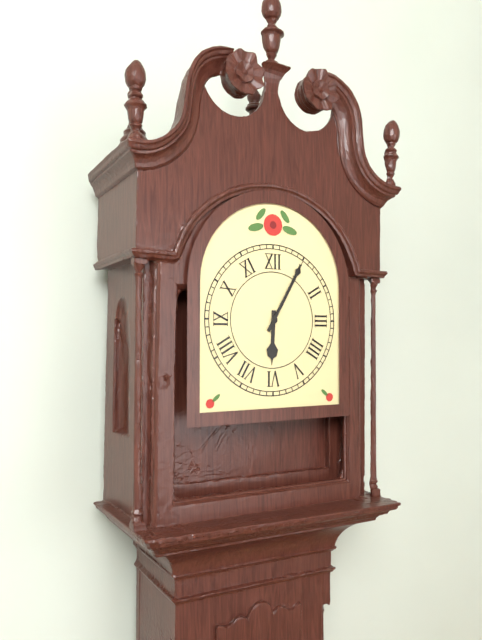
h=6 m=5
